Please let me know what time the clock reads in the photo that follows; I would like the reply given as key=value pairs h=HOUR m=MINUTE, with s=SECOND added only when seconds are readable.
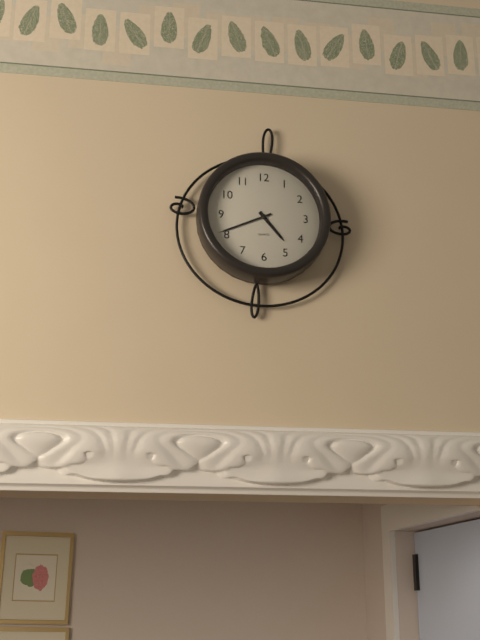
h=4 m=41
